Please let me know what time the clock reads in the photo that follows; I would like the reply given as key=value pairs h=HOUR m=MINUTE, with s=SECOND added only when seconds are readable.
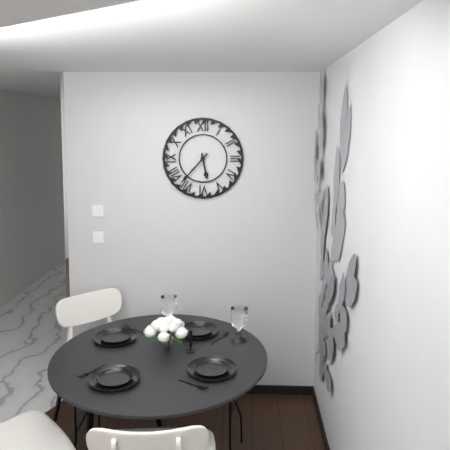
h=5 m=37
